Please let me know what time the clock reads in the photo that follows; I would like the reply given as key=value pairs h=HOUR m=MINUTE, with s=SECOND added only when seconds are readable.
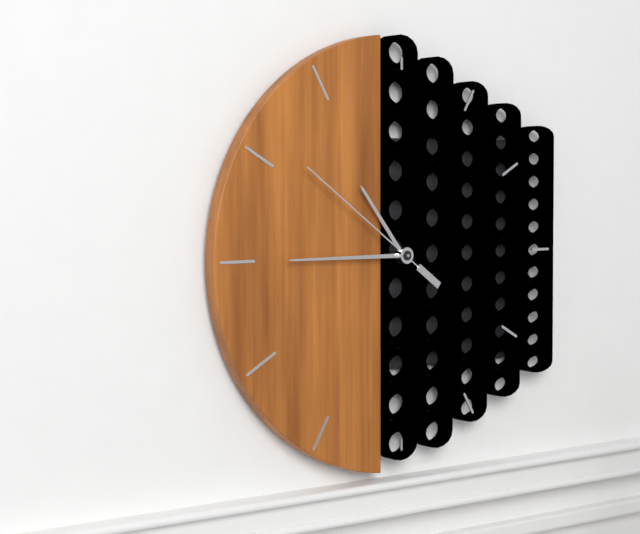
h=10 m=45 s=51
